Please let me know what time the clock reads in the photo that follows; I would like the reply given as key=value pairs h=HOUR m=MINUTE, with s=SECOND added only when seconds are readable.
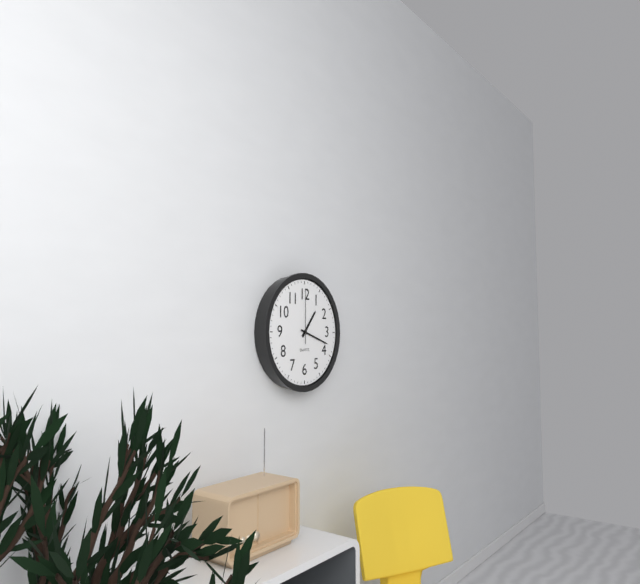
h=1 m=18 s=0
